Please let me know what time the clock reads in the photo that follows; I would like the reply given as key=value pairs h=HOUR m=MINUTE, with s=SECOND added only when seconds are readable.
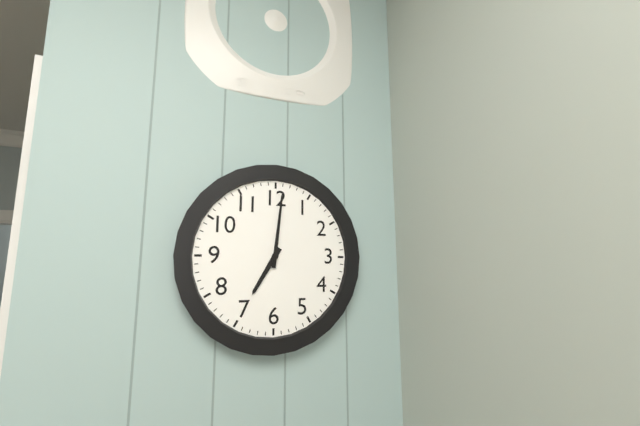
h=7 m=1
